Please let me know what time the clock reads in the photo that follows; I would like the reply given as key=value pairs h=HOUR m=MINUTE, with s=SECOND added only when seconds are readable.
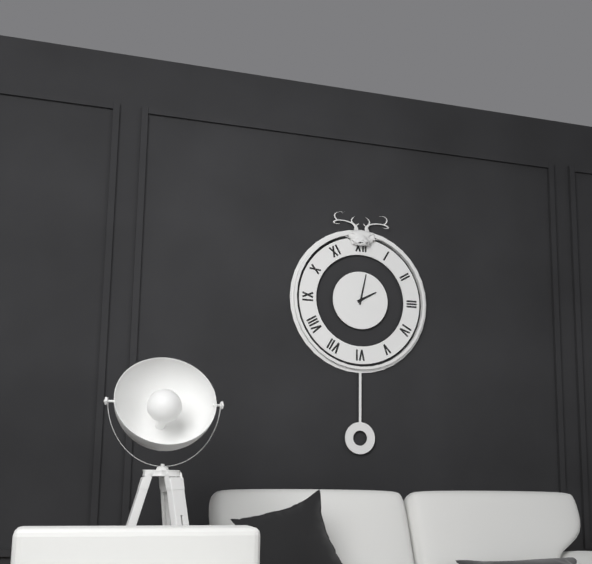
h=2 m=2
